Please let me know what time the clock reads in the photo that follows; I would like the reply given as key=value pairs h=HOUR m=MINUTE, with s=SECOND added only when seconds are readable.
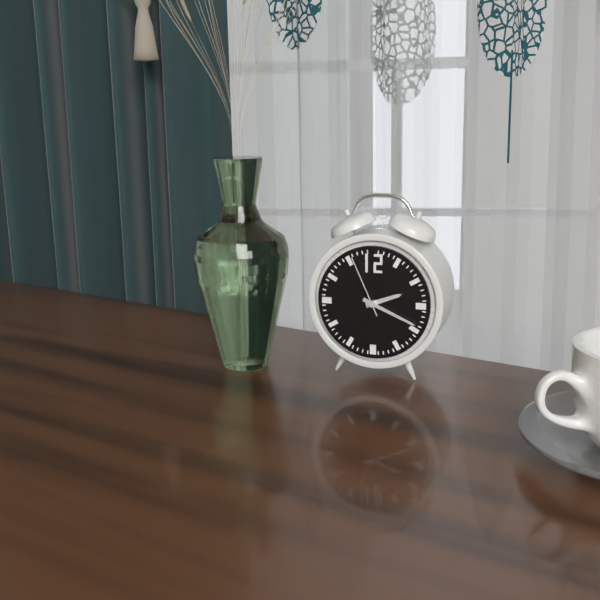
h=2 m=19 s=56
